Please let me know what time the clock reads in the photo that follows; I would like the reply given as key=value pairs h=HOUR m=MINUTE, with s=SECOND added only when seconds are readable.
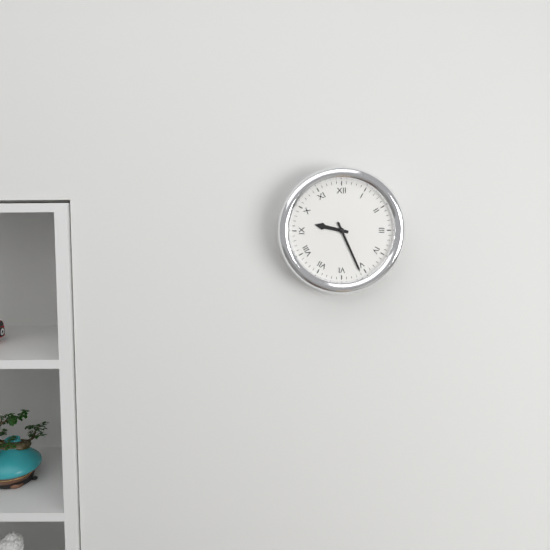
h=9 m=26
